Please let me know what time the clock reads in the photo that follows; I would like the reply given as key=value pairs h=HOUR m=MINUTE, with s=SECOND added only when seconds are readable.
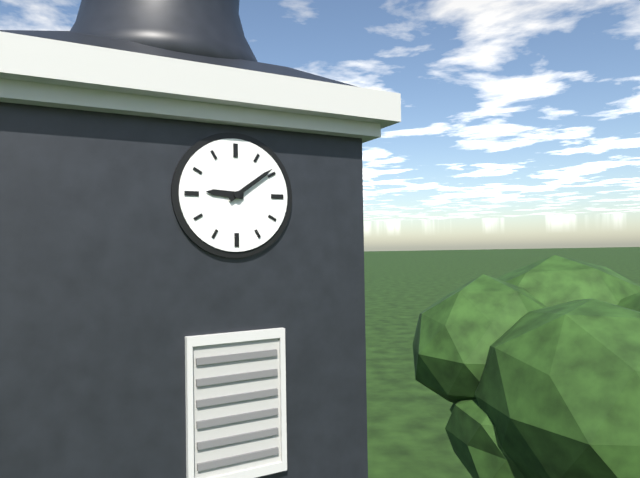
h=9 m=9
